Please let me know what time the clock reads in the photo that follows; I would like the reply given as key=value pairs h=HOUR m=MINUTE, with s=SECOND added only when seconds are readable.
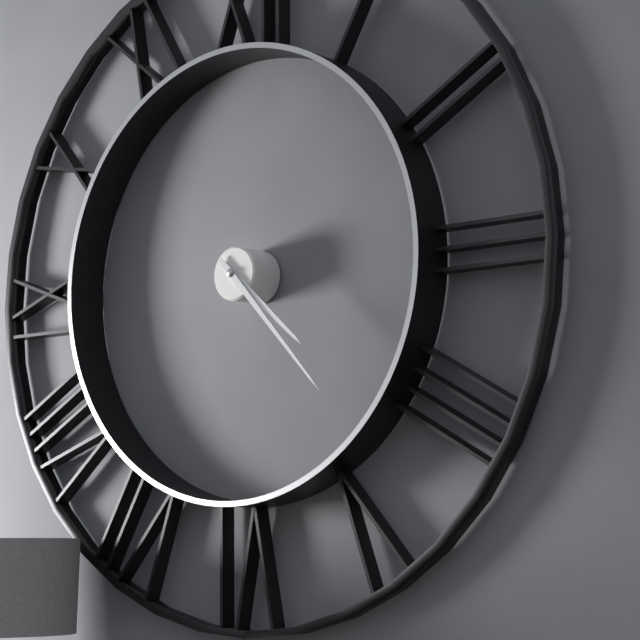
h=4 m=23
